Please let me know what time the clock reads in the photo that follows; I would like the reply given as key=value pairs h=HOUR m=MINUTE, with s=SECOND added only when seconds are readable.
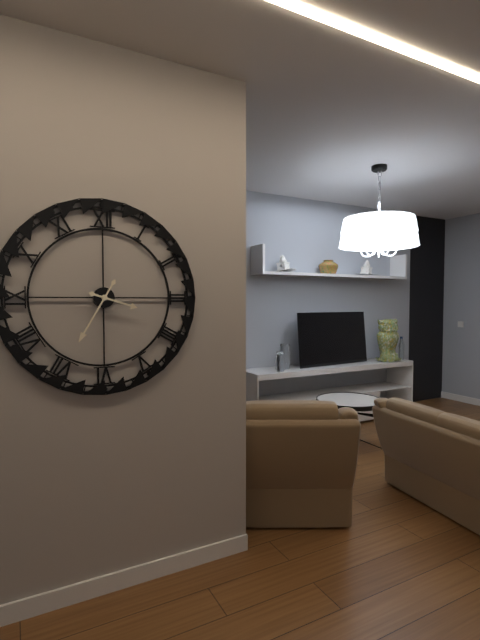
h=3 m=35
